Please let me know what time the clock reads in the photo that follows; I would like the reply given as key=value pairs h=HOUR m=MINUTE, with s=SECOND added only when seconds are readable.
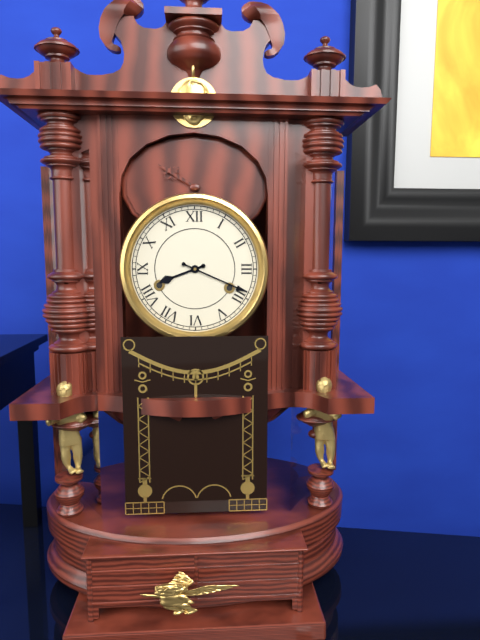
h=8 m=19
